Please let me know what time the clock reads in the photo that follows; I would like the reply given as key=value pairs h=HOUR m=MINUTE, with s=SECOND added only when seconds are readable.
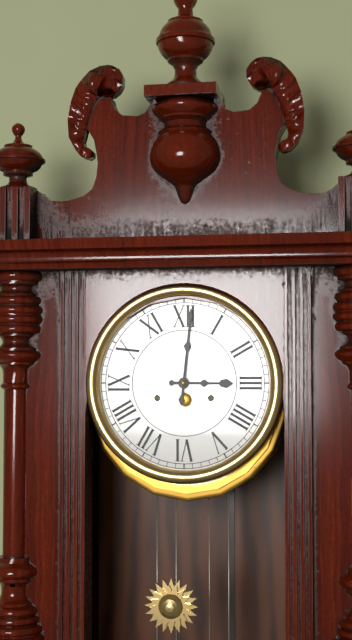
h=3 m=1
